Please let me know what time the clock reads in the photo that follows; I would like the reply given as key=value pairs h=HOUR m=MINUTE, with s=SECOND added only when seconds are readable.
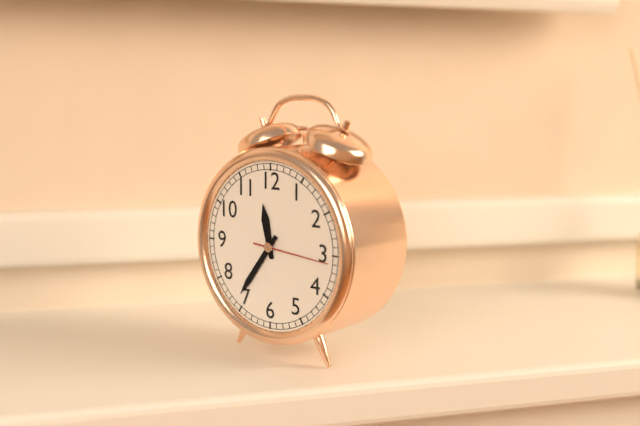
h=11 m=36 s=16
